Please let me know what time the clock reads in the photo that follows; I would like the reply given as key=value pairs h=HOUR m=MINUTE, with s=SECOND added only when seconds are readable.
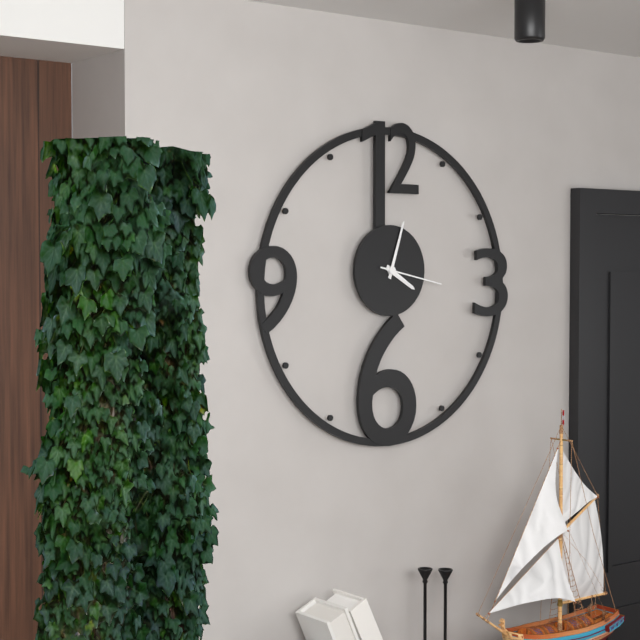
h=4 m=3 s=17
